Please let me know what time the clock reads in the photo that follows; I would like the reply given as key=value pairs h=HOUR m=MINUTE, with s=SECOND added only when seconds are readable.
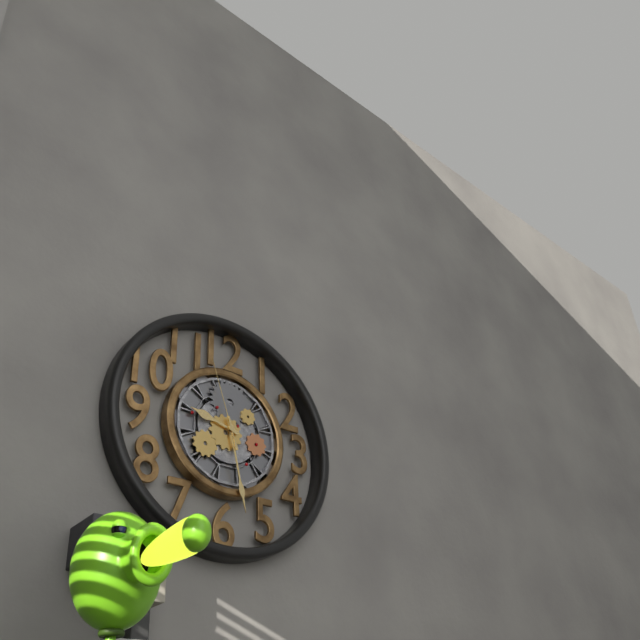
h=9 m=28 s=57
